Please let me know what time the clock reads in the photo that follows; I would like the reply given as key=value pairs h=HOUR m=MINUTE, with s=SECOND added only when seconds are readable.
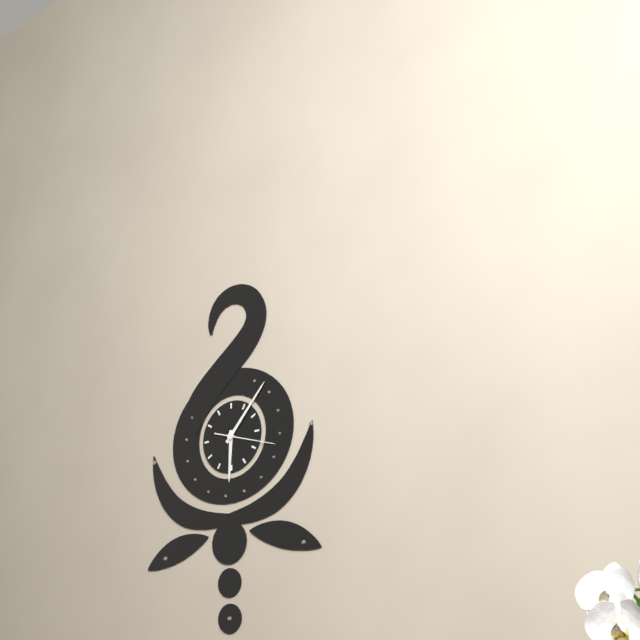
h=6 m=7 s=18
